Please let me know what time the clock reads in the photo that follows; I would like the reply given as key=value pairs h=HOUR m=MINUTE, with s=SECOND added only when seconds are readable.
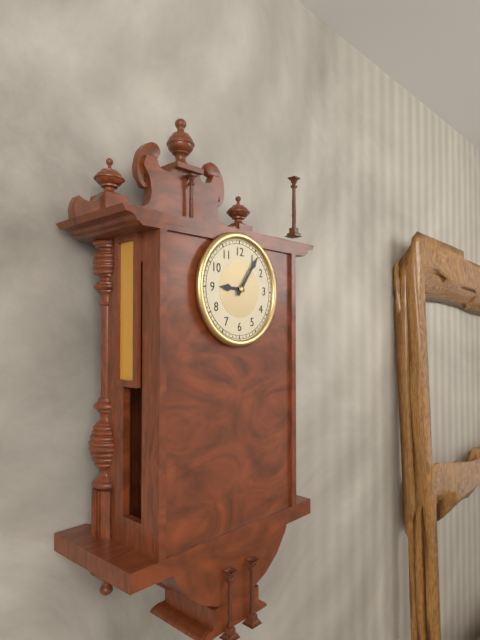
h=9 m=6
